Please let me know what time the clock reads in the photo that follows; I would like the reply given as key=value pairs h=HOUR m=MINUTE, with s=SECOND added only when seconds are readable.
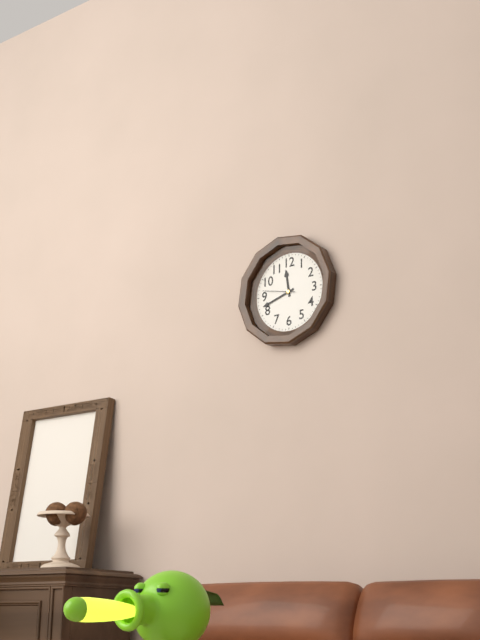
h=11 m=42
